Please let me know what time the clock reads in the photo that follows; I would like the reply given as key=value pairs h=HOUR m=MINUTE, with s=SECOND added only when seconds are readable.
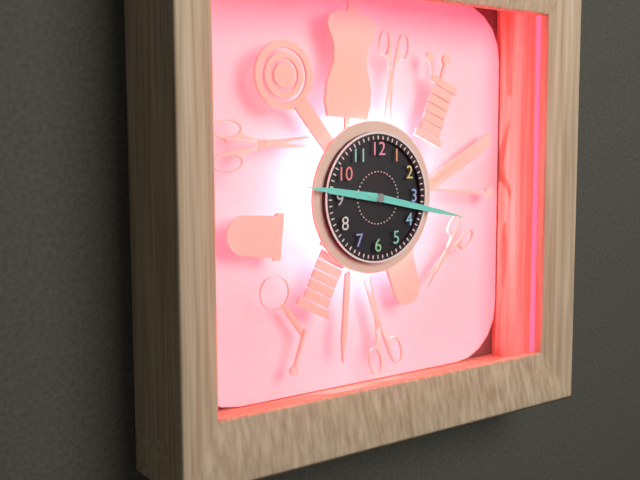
h=9 m=17
